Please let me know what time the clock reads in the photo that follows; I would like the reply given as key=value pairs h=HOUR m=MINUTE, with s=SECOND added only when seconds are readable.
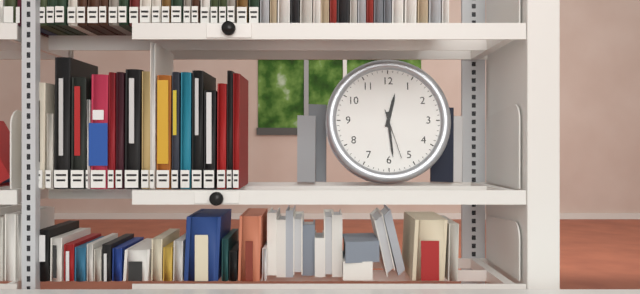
h=12 m=29 s=27
